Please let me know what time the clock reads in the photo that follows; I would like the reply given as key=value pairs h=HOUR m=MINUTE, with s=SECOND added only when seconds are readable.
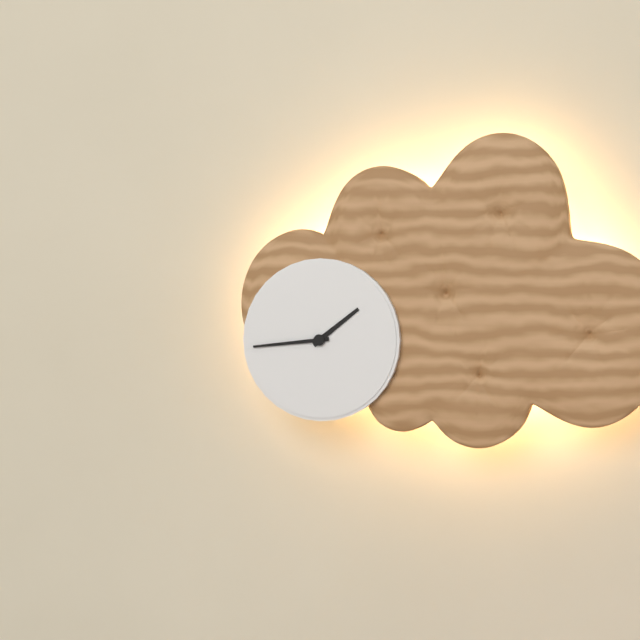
h=1 m=44
